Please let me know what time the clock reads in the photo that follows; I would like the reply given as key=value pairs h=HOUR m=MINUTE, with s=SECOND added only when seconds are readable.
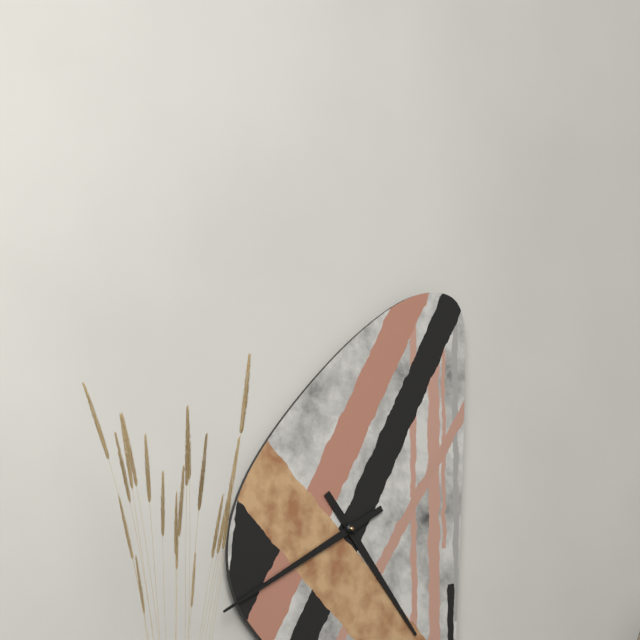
h=4 m=40
